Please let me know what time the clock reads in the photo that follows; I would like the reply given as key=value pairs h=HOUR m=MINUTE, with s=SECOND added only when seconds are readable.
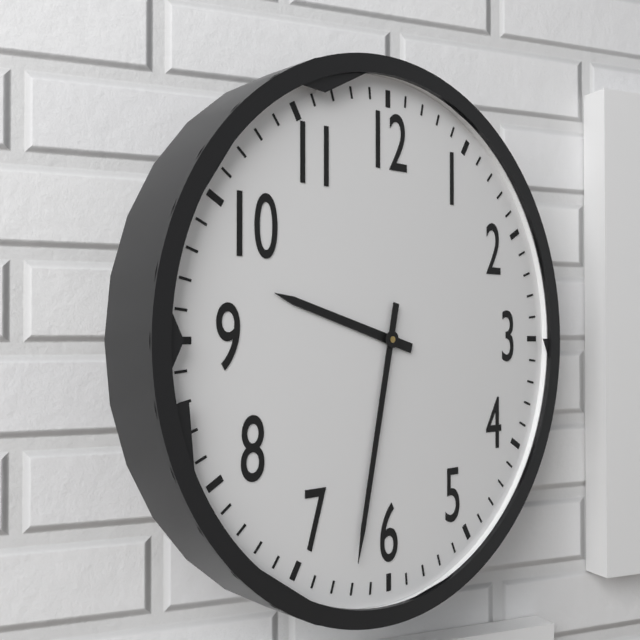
h=9 m=32
